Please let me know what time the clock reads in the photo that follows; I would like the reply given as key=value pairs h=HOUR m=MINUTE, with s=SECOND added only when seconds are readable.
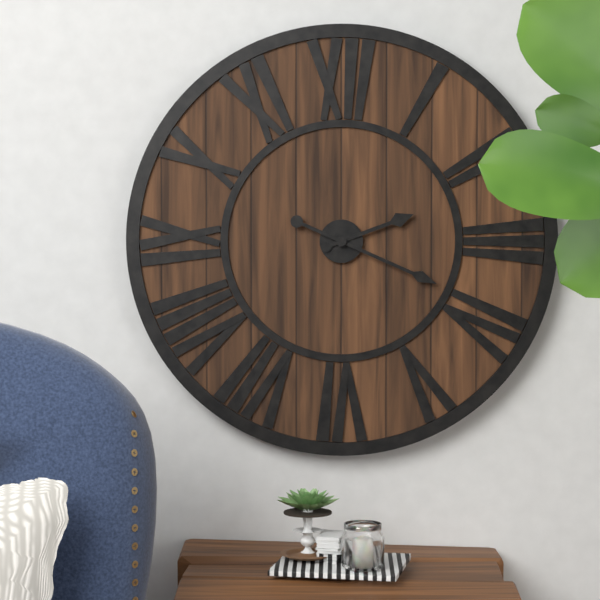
h=2 m=19
